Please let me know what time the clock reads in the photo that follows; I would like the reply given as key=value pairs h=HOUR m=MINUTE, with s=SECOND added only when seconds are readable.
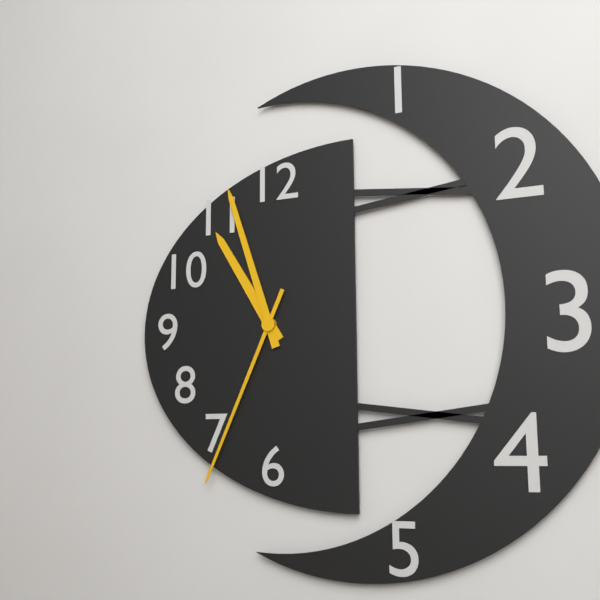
h=10 m=57 s=34
